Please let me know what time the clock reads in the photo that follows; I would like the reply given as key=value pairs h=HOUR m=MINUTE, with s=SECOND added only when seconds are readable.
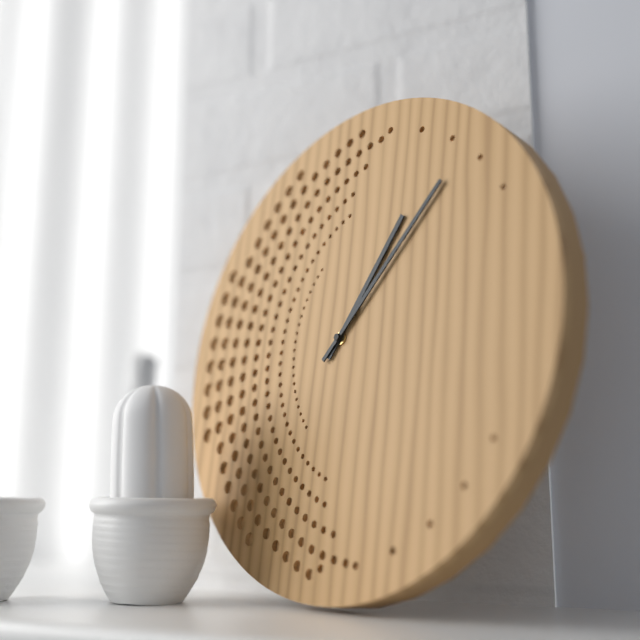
h=1 m=7
